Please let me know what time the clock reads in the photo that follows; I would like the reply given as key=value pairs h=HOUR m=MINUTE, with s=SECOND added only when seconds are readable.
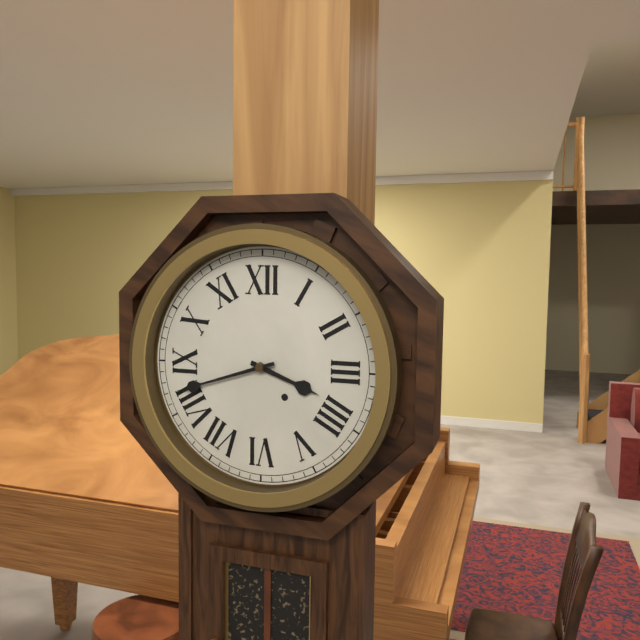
h=3 m=42
